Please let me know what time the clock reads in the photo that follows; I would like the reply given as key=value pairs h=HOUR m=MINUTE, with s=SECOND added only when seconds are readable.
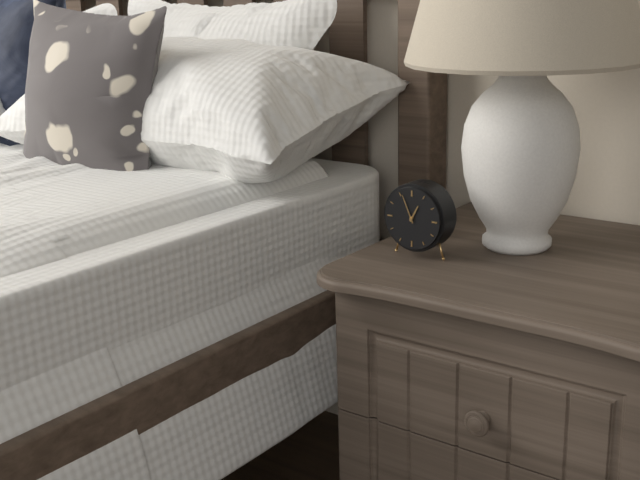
h=12 m=56
